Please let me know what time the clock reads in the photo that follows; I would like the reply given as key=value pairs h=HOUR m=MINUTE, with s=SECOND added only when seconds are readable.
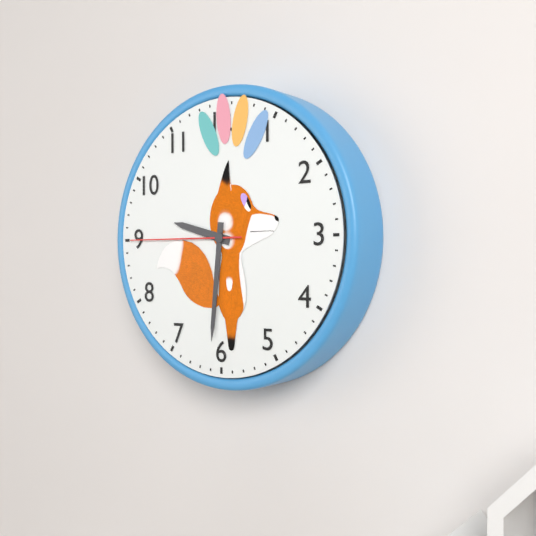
h=9 m=31 s=45
